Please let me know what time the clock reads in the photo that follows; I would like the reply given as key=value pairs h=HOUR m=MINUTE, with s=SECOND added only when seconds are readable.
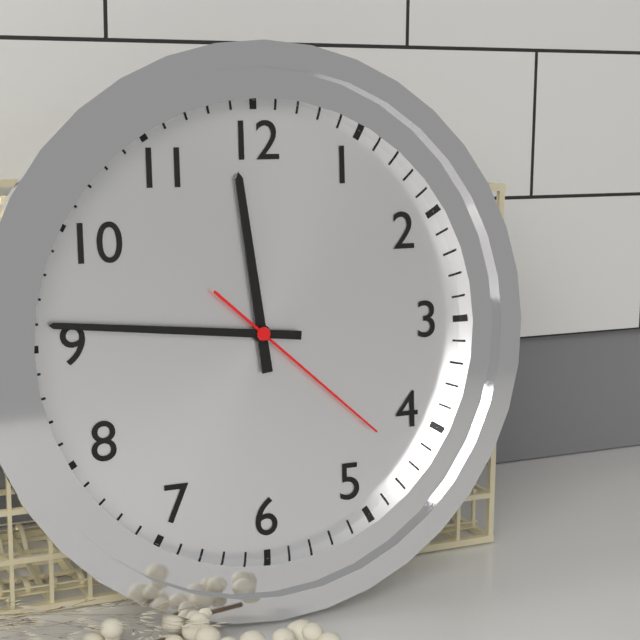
h=11 m=46 s=22
